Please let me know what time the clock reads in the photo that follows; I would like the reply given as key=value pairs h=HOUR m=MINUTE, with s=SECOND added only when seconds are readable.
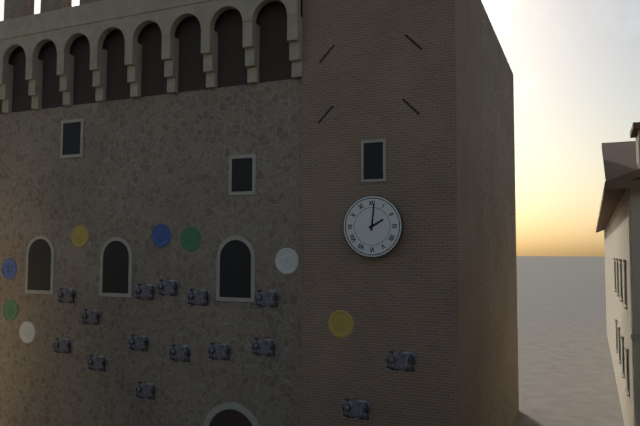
h=2 m=1
